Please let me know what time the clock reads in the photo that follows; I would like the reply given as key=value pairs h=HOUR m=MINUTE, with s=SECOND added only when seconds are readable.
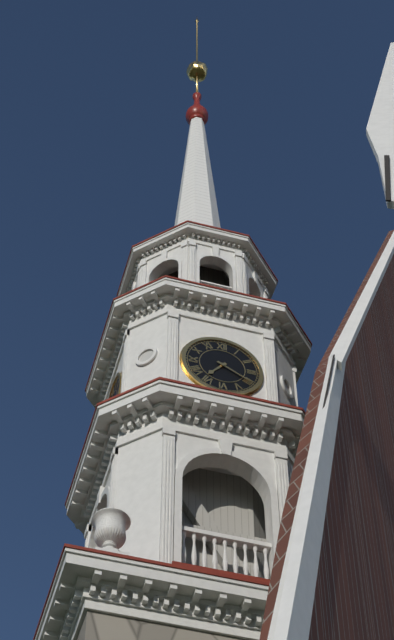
h=7 m=20
